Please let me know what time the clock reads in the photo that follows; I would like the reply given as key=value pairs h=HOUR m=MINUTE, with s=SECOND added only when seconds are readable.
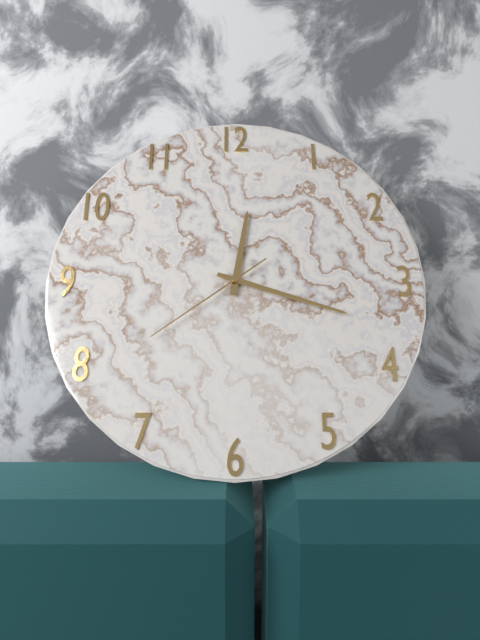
h=12 m=18 s=39
